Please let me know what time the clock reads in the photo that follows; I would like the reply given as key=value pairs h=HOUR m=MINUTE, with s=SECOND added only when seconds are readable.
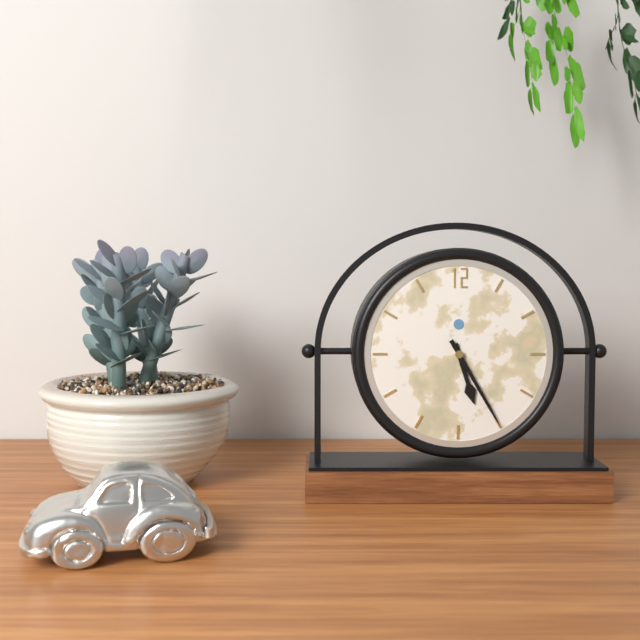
h=5 m=25
